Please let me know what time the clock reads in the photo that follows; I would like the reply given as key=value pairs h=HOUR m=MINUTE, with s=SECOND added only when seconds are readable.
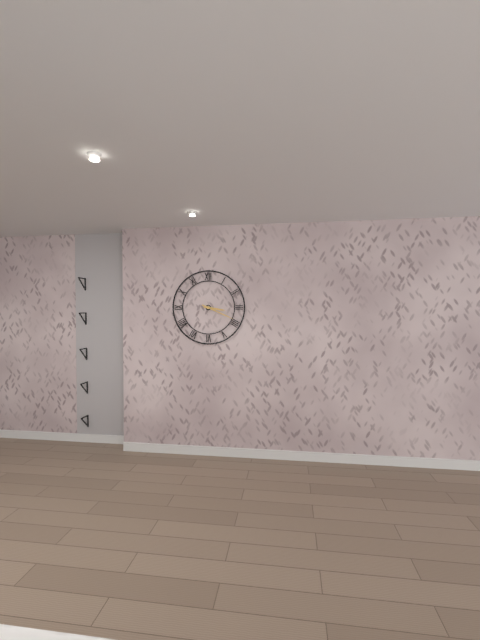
h=3 m=19
